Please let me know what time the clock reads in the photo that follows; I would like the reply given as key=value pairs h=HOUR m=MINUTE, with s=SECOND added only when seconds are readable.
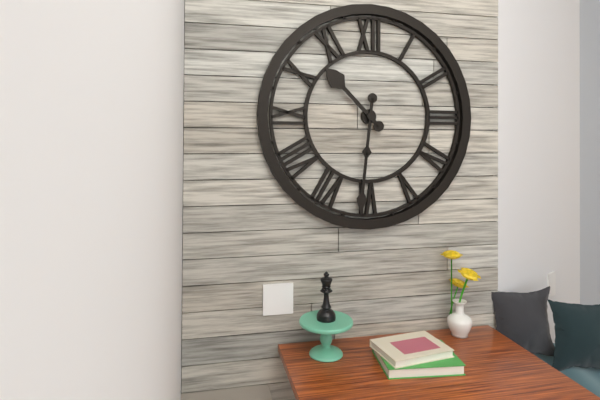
h=10 m=31
